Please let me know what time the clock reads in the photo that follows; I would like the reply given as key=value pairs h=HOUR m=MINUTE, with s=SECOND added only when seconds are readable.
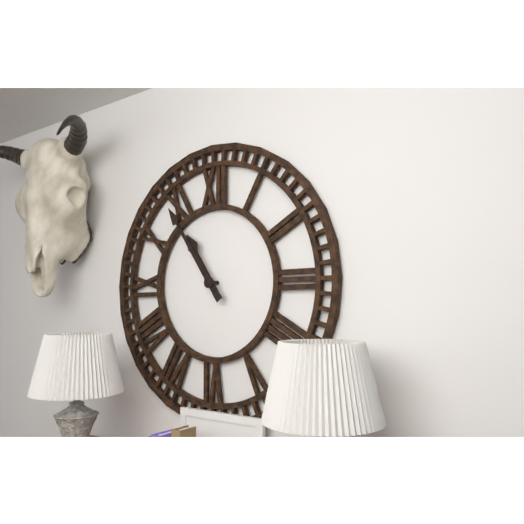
h=10 m=54
